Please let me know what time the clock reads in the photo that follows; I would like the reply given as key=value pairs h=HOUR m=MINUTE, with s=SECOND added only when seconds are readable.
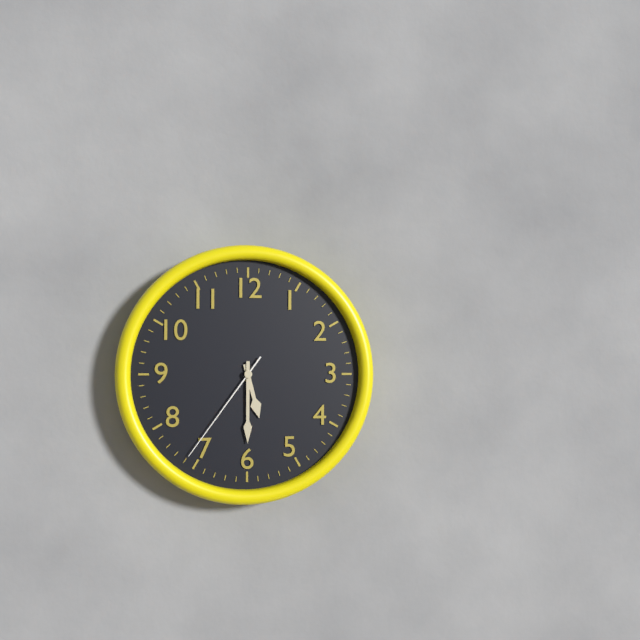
h=5 m=30 s=36
